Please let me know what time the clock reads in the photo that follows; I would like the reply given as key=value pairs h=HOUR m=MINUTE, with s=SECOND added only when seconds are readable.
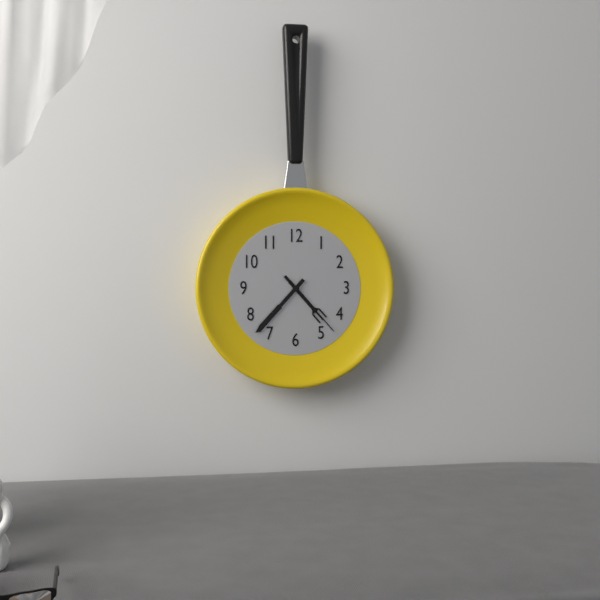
h=4 m=37 s=23
